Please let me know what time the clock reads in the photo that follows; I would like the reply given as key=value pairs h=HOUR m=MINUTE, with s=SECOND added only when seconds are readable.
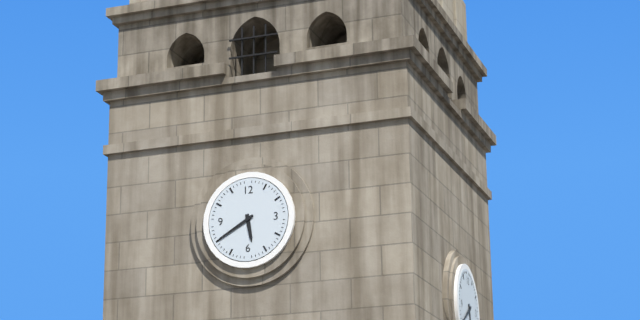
h=5 m=40
